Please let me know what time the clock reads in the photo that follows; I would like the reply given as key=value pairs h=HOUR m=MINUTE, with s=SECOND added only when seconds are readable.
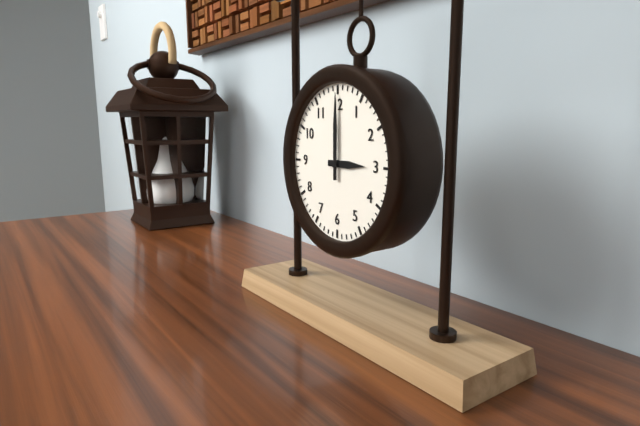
h=3 m=0
